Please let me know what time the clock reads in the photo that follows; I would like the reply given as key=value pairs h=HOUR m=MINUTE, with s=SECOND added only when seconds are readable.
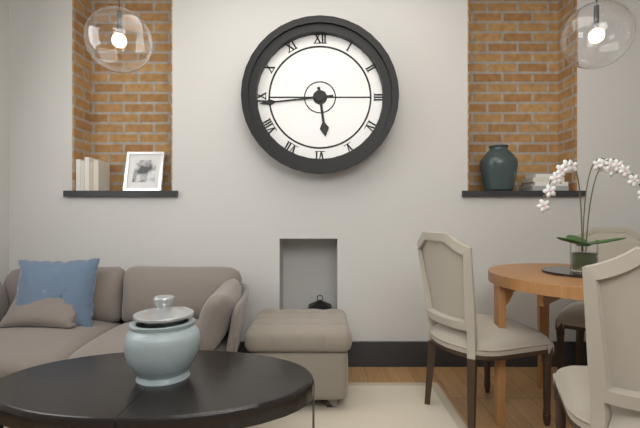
h=5 m=44
